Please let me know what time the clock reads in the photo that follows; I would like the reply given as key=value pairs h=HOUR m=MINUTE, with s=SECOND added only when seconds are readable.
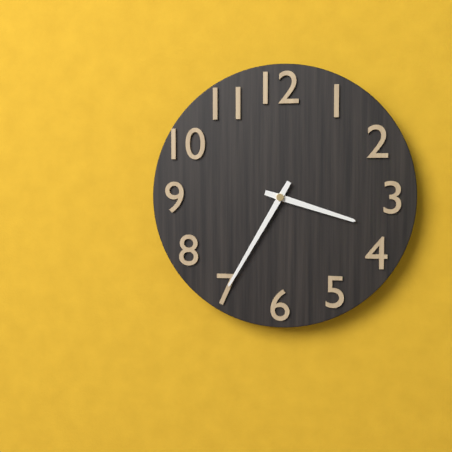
h=3 m=35
